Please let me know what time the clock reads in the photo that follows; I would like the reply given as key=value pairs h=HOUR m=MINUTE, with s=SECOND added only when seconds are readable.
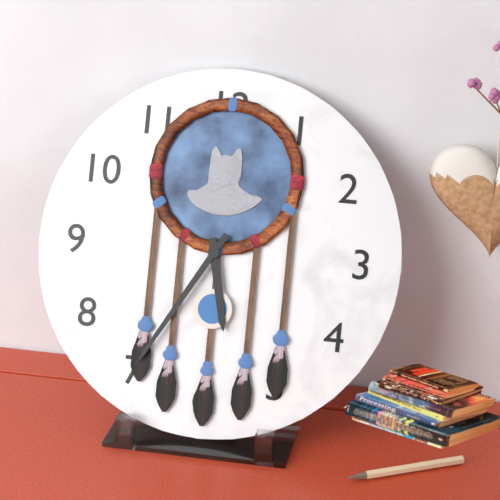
h=5 m=35
